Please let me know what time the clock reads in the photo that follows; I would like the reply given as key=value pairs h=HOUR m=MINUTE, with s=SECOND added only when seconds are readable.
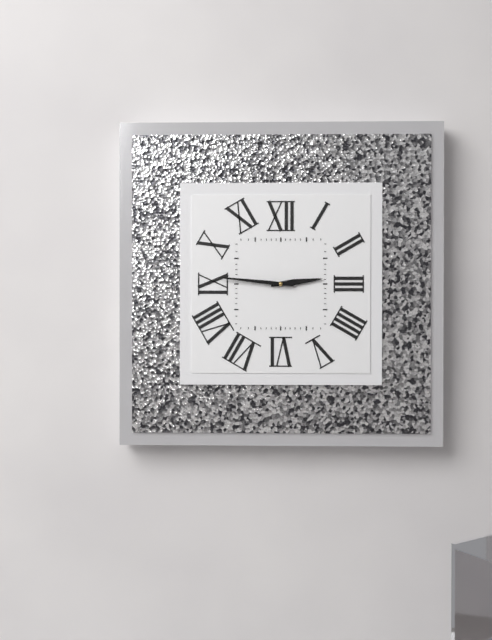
h=2 m=46
